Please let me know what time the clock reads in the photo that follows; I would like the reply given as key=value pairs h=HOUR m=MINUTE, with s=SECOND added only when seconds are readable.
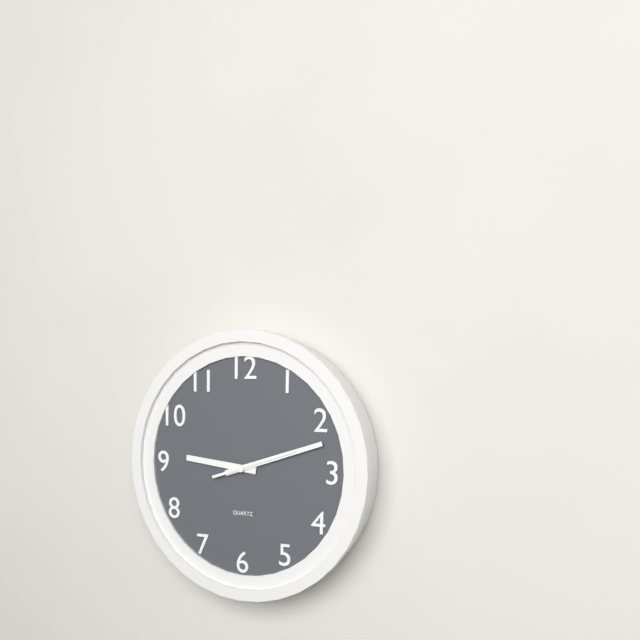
h=9 m=12 s=12
